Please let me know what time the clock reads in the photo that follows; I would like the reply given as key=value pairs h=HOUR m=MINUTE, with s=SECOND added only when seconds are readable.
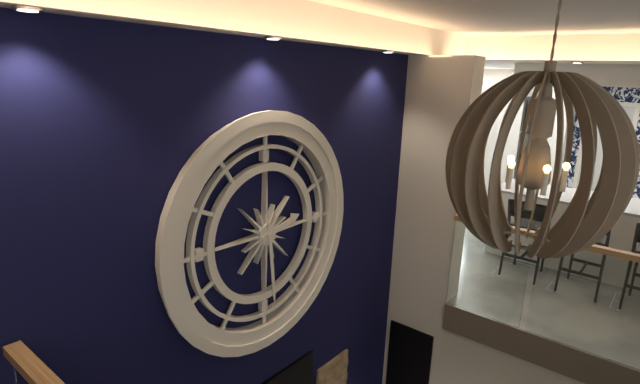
h=2 m=29
